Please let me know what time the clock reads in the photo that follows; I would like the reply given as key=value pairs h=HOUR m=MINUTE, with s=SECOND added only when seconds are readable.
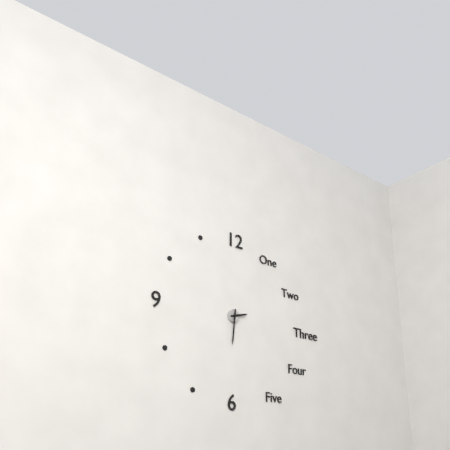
h=2 m=31
